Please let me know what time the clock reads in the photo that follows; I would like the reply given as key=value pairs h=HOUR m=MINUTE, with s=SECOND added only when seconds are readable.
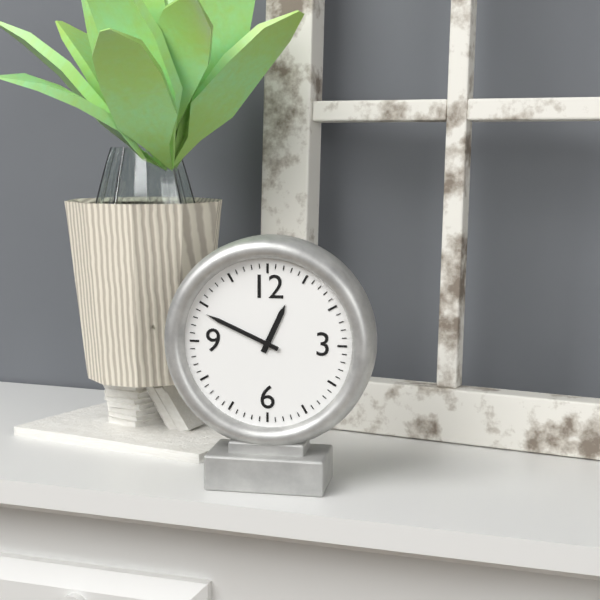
h=12 m=49
